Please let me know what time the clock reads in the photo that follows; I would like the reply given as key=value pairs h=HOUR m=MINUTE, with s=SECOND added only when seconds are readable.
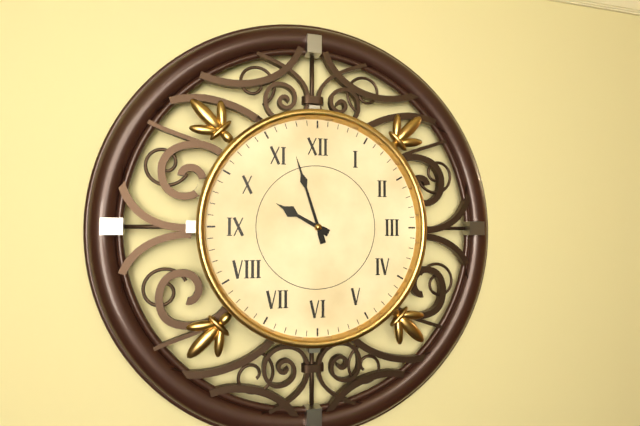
h=9 m=57
